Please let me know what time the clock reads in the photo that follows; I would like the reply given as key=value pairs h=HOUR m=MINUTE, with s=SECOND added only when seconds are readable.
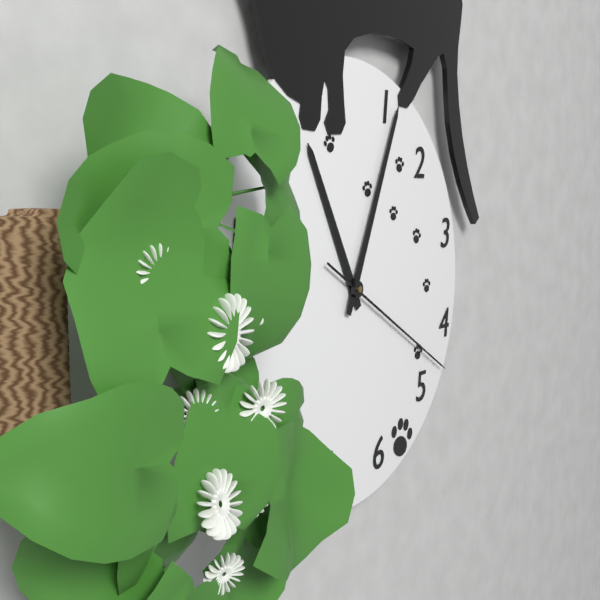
h=11 m=4 s=20
